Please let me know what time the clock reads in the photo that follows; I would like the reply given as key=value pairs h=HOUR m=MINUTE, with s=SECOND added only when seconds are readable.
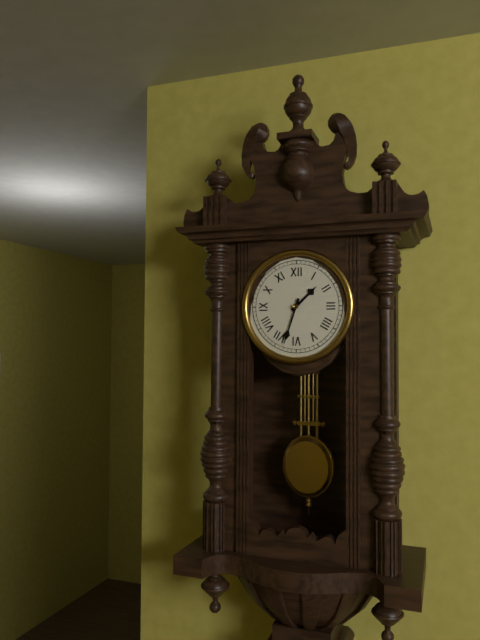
h=1 m=33
